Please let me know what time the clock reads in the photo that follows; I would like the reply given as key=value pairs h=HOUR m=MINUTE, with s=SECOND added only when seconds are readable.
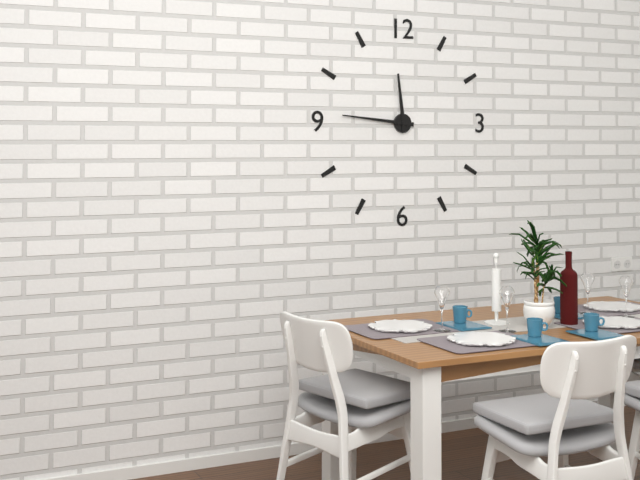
h=11 m=46
